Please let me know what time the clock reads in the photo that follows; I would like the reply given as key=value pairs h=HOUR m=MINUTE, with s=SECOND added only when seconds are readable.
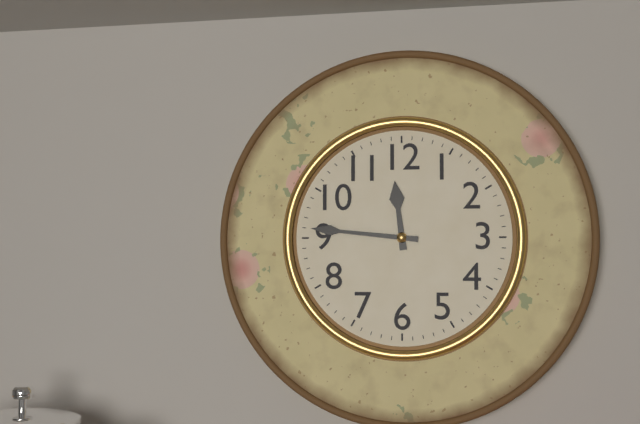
h=11 m=46
